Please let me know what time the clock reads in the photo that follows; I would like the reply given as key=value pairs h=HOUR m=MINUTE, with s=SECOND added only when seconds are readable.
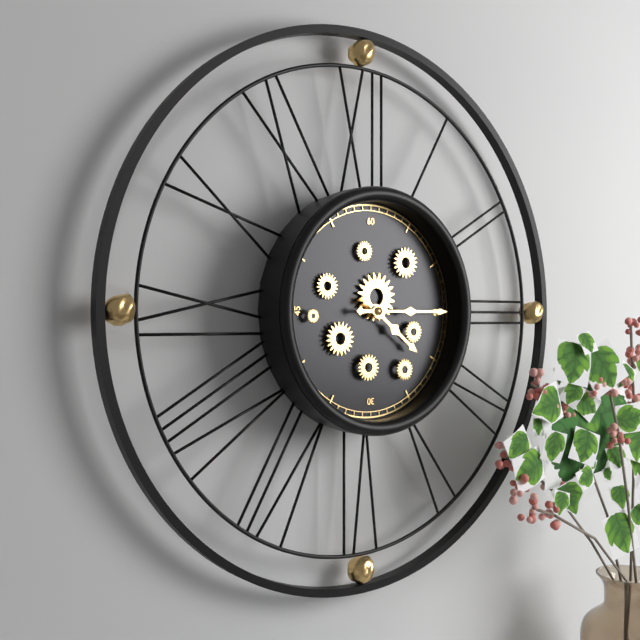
h=4 m=15
